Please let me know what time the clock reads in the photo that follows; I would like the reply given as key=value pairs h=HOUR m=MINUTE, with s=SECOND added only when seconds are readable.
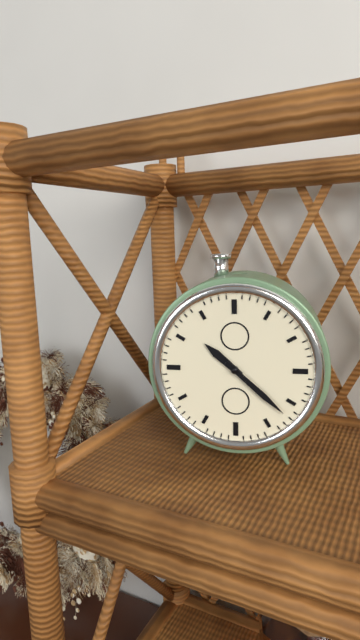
h=10 m=22
